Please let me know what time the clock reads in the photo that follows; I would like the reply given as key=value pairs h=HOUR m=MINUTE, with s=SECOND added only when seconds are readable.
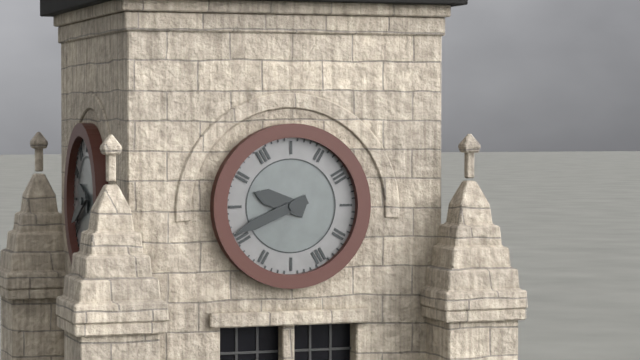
h=9 m=41
